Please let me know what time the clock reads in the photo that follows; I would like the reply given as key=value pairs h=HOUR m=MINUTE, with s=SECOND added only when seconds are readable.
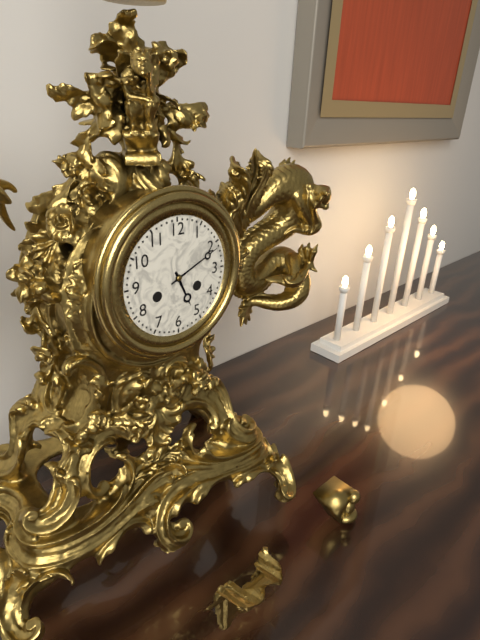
h=5 m=11
